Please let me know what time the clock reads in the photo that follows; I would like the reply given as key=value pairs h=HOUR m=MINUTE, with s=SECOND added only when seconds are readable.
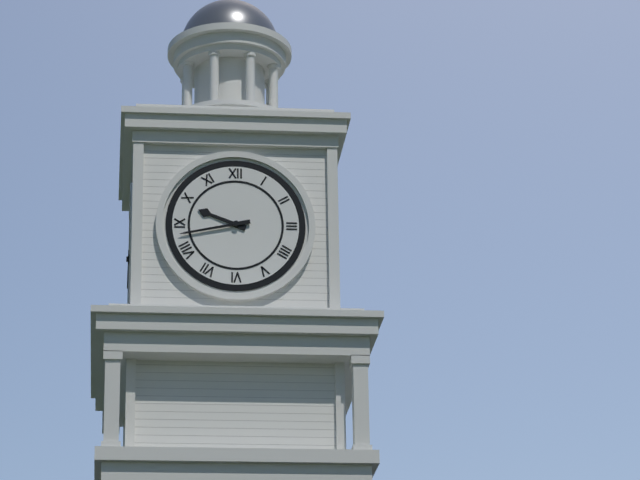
h=9 m=43
